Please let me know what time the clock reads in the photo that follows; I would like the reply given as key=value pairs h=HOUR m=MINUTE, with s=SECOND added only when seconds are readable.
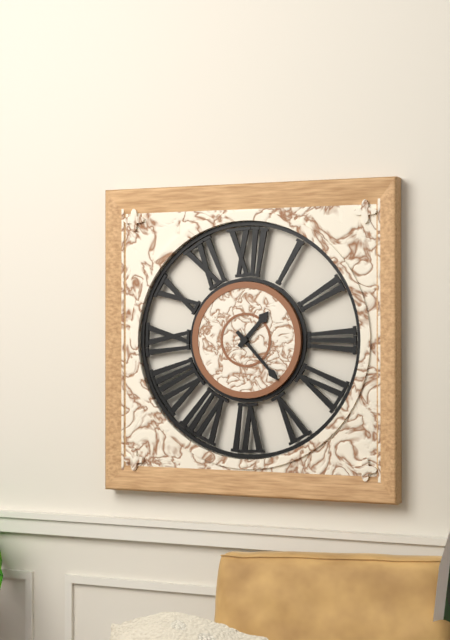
h=1 m=23
